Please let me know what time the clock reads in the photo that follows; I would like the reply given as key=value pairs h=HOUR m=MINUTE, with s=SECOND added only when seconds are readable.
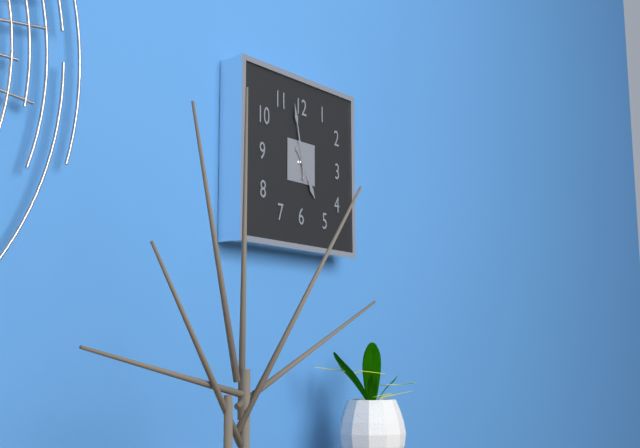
h=4 m=58
